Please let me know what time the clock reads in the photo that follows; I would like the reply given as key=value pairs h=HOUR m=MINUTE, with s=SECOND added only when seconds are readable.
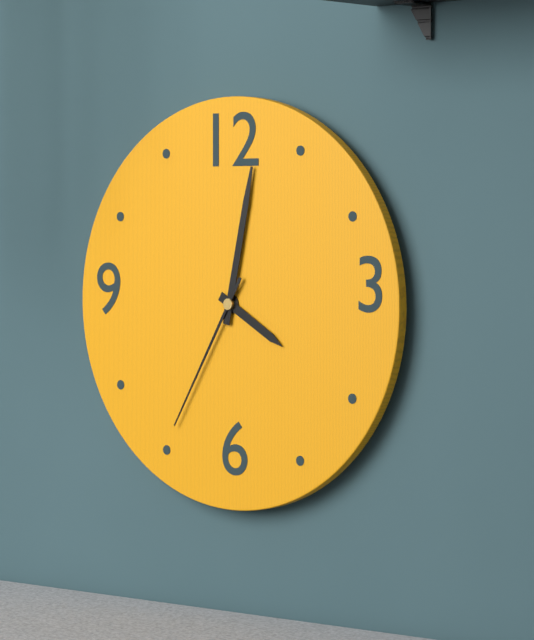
h=4 m=2 s=35
